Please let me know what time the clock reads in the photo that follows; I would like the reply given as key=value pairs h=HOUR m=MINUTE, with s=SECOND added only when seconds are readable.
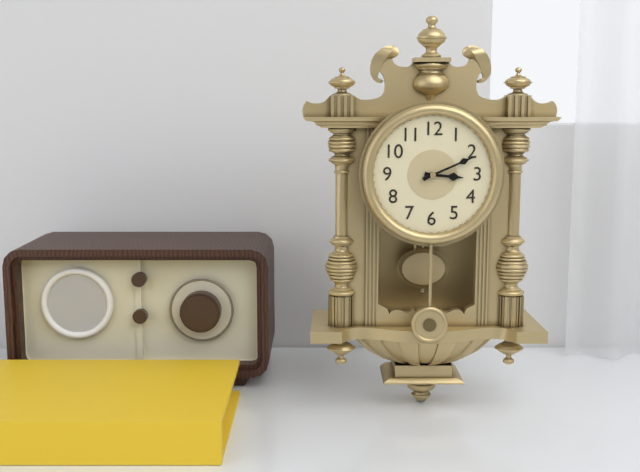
h=3 m=11
